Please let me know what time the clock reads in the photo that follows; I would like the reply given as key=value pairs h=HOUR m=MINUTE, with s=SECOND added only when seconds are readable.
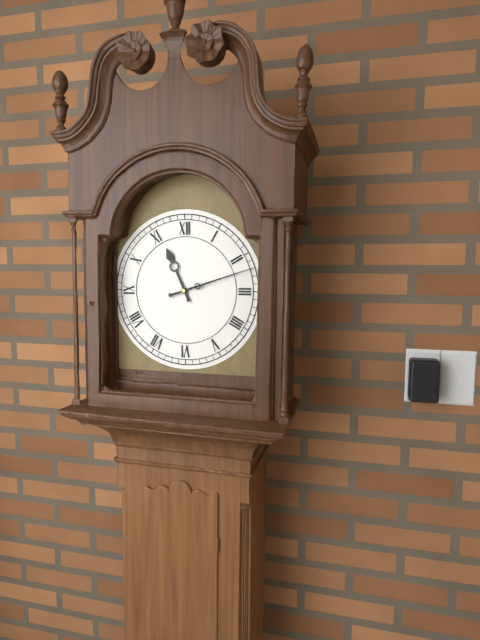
h=11 m=12
